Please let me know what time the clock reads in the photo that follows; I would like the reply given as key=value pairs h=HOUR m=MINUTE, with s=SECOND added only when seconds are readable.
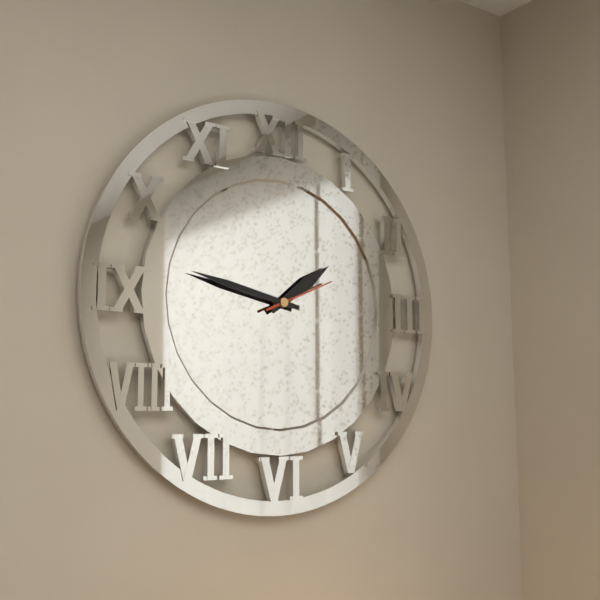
h=1 m=47 s=11
